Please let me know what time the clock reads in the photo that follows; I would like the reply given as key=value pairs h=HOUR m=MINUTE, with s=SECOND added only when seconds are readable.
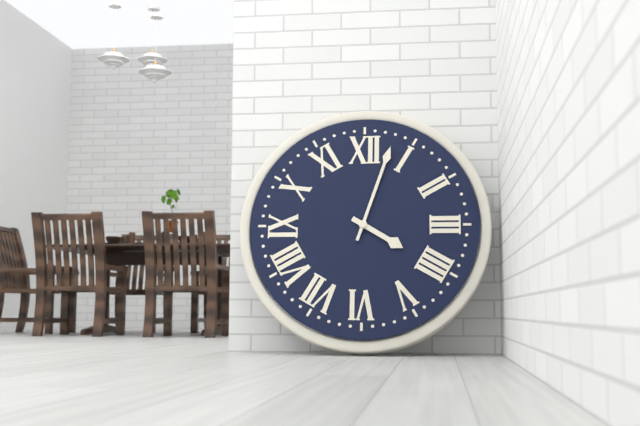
h=4 m=3
